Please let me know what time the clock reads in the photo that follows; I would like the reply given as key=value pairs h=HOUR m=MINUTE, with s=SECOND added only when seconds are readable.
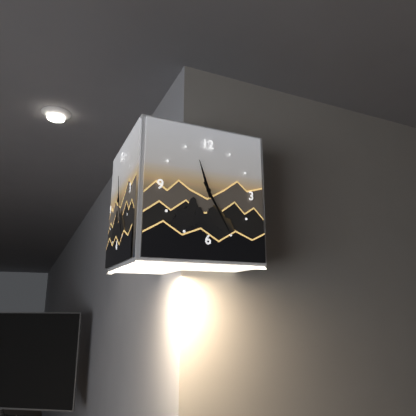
h=11 m=25
